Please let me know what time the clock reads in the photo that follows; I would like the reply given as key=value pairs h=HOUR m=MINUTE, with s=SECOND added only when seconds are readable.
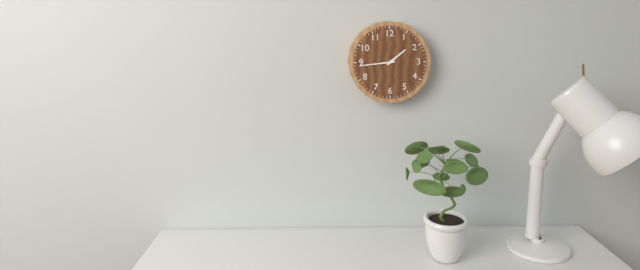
h=1 m=44
